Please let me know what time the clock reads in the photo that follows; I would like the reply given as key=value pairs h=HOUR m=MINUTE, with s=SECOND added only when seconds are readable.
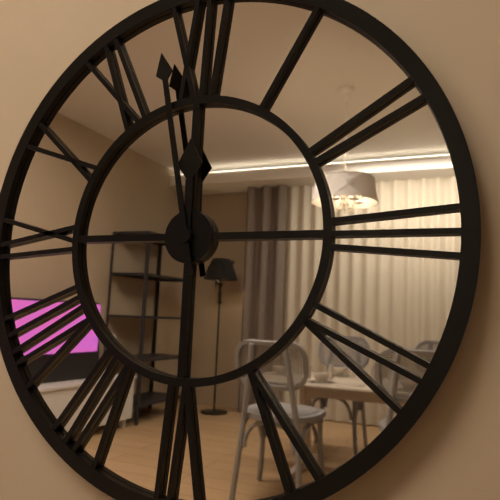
h=11 m=58
